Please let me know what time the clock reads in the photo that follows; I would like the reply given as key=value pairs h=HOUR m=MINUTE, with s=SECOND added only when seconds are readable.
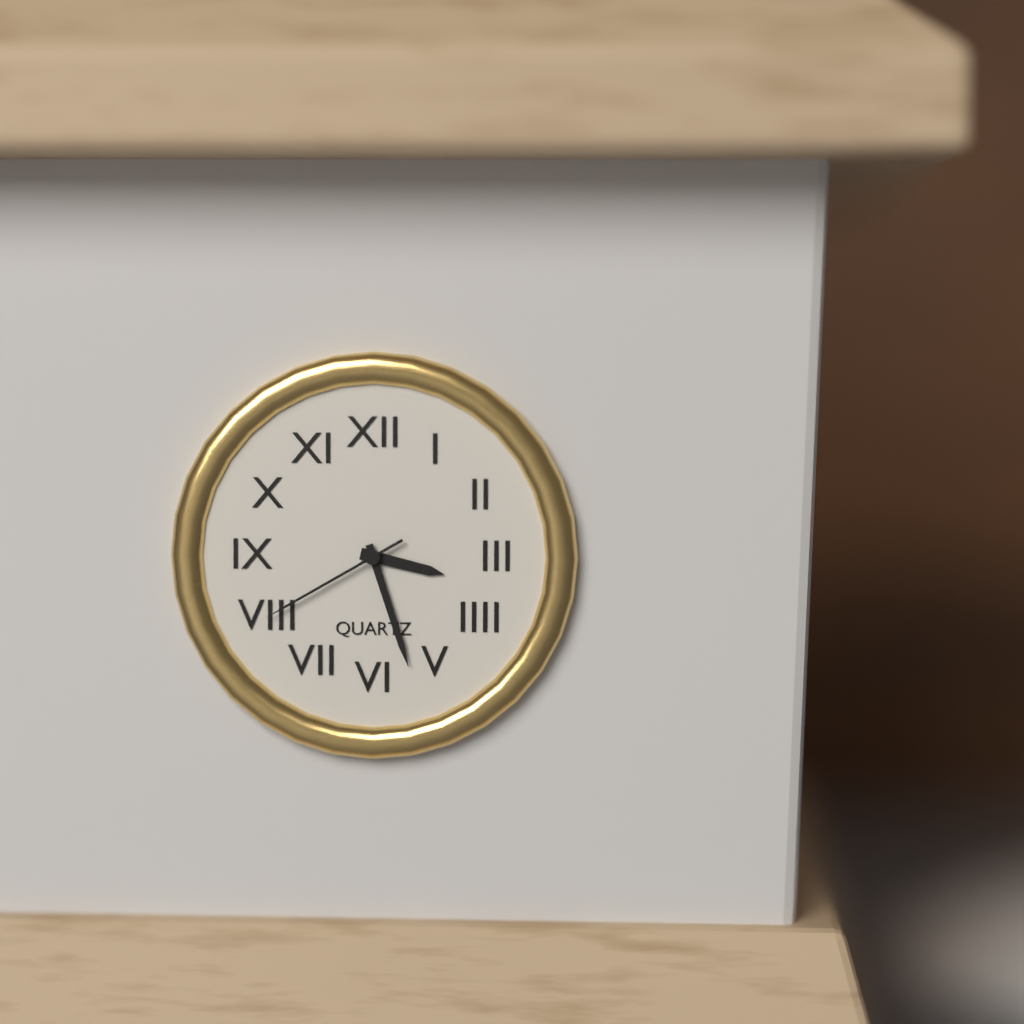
h=3 m=27 s=40
